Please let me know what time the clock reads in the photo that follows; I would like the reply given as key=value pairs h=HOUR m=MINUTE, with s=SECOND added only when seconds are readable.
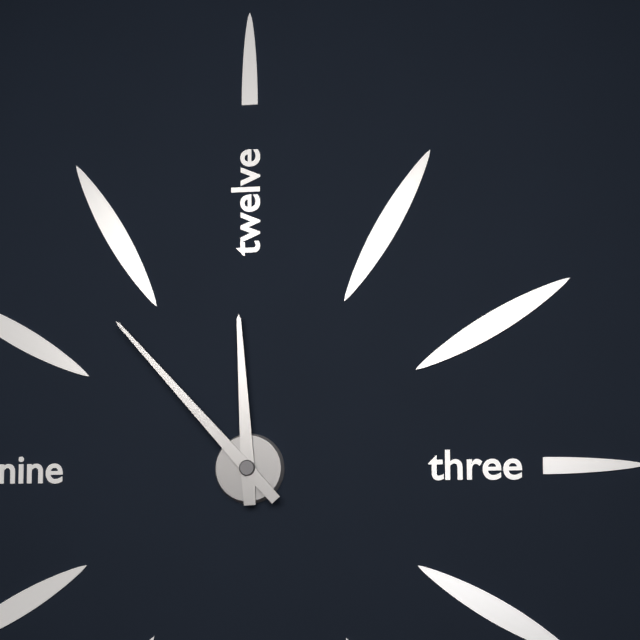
h=11 m=53
